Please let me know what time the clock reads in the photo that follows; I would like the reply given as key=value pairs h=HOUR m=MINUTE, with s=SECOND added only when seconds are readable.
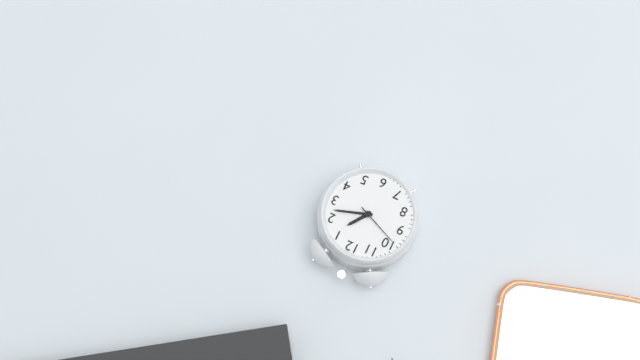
h=1 m=12
